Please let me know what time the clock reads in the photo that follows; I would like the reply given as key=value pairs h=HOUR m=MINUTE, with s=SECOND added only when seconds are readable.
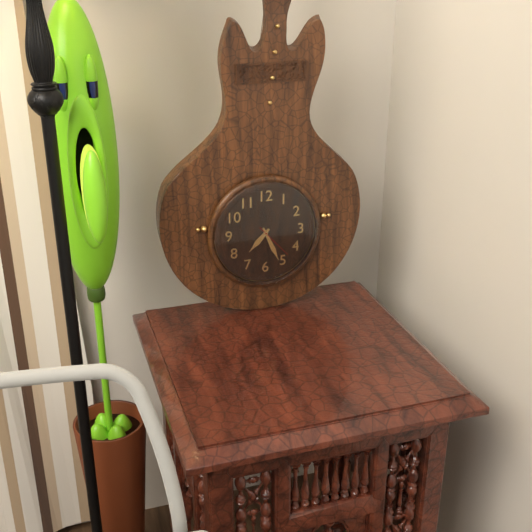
h=7 m=26
